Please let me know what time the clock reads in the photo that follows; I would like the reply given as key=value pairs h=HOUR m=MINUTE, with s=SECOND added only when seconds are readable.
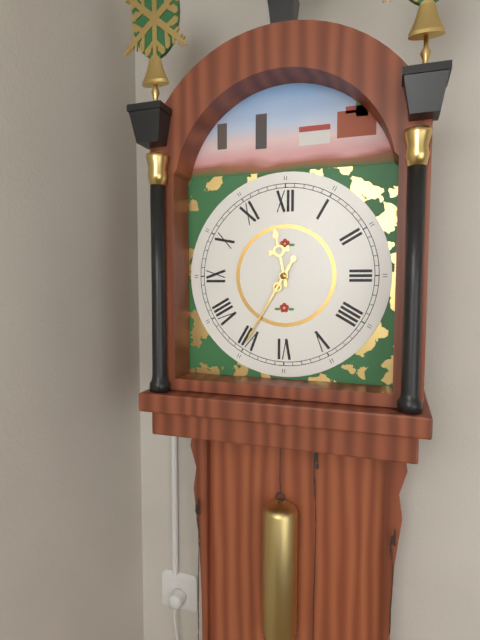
h=11 m=35
